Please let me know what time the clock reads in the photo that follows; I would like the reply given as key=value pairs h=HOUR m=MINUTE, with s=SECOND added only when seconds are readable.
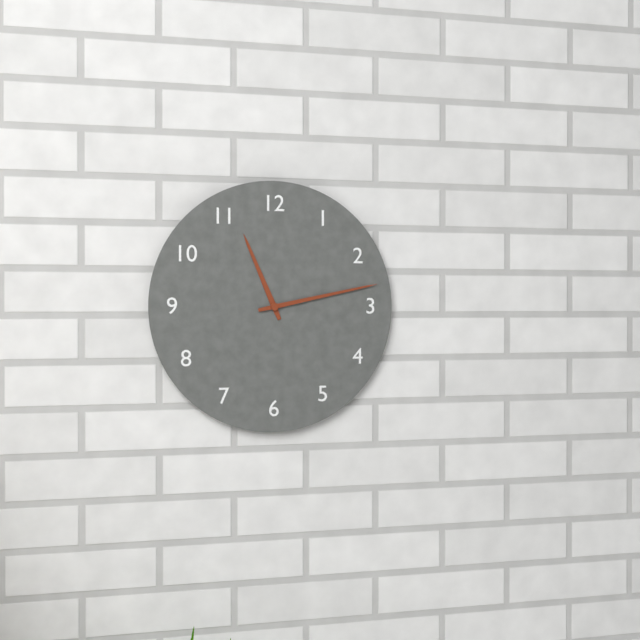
h=11 m=13
